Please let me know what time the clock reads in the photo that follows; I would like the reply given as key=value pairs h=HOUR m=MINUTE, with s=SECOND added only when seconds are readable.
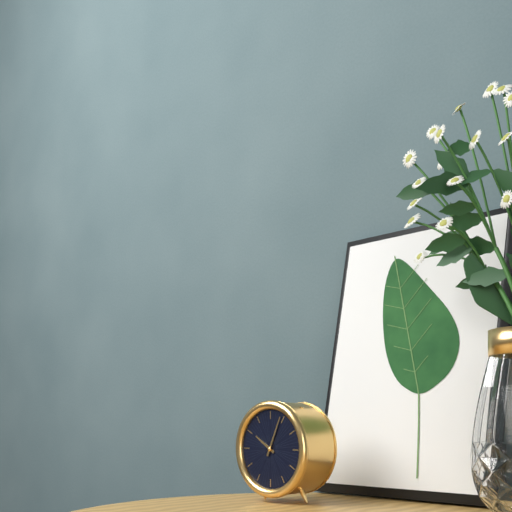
h=10 m=4
